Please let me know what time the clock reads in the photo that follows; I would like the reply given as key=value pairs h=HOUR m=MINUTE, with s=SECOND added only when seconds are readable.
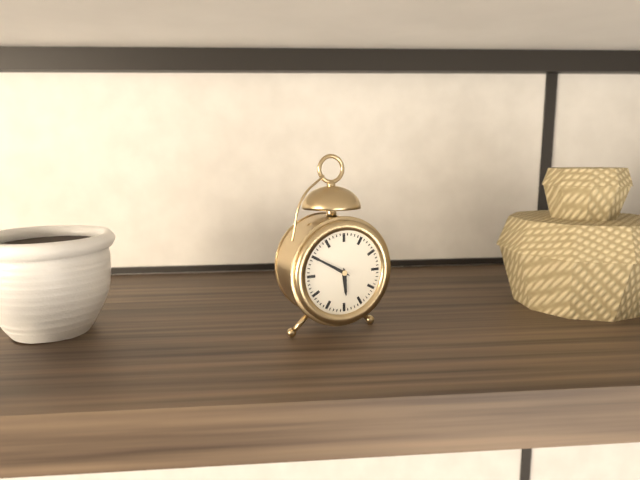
h=5 m=50
